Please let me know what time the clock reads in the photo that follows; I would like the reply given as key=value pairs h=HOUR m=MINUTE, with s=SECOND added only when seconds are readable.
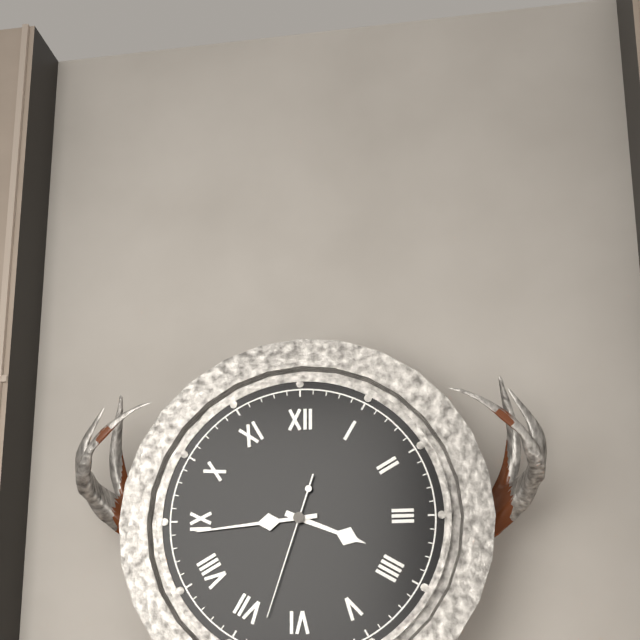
h=3 m=44 s=33
